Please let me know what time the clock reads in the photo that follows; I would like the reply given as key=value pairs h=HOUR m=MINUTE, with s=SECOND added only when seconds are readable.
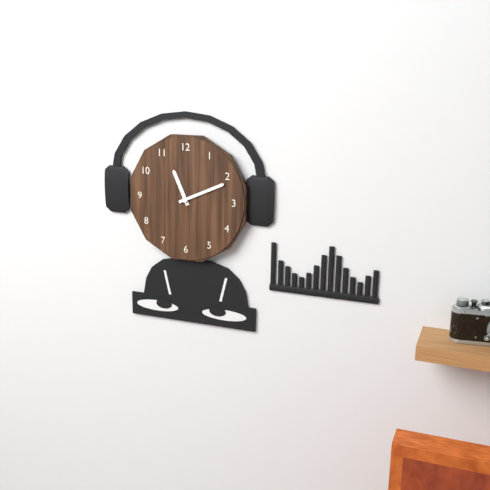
h=11 m=11
